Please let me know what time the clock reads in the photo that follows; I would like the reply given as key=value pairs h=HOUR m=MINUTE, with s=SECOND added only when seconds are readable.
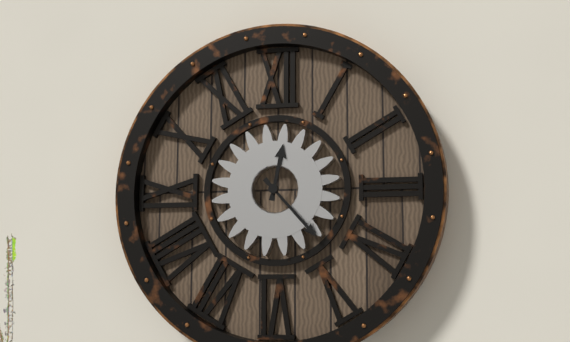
h=12 m=23
